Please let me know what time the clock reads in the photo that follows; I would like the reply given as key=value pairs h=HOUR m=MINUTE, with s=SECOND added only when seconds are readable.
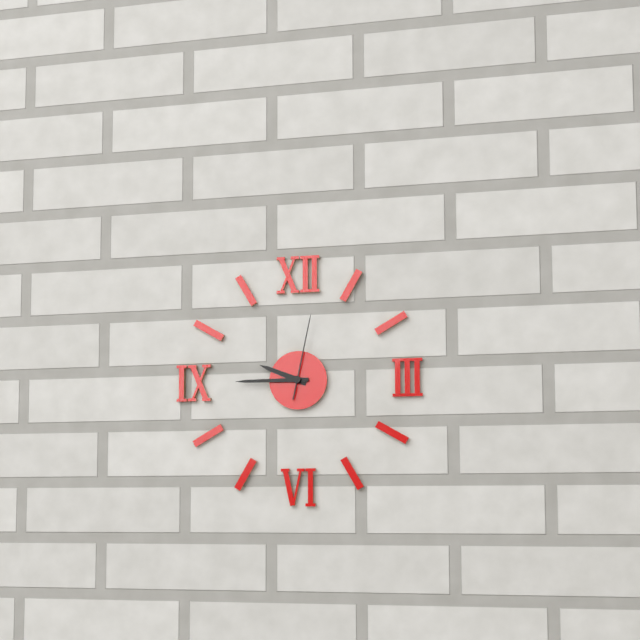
h=9 m=45 s=2
